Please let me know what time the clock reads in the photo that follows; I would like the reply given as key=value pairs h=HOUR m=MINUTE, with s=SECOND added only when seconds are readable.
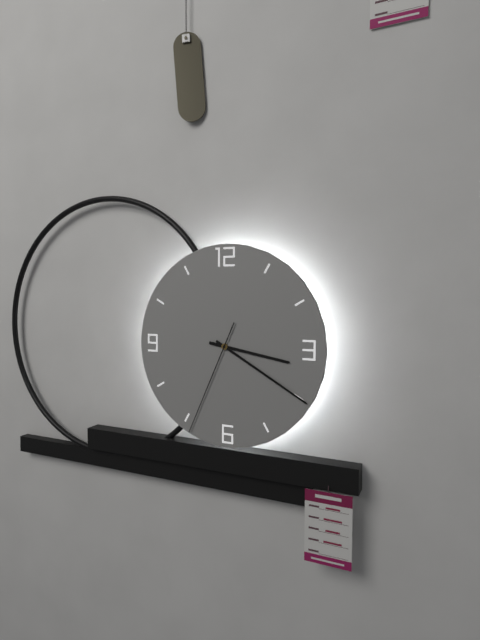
h=3 m=20 s=34
